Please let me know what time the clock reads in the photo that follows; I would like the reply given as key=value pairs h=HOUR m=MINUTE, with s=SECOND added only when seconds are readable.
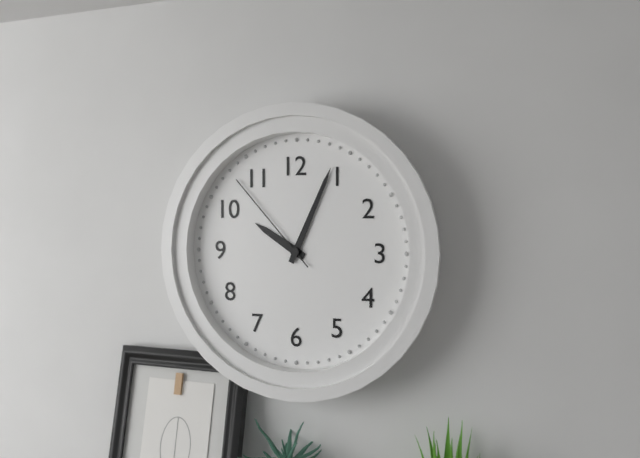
h=10 m=4 s=53
